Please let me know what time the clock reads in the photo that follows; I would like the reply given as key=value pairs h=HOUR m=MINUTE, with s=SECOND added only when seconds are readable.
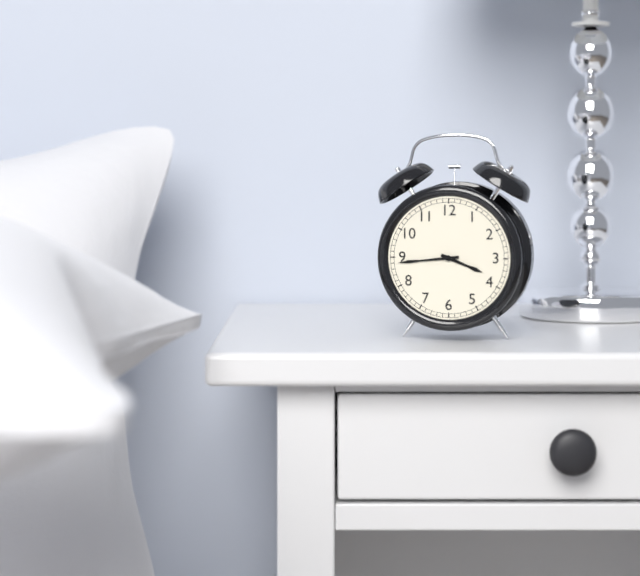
h=3 m=44
